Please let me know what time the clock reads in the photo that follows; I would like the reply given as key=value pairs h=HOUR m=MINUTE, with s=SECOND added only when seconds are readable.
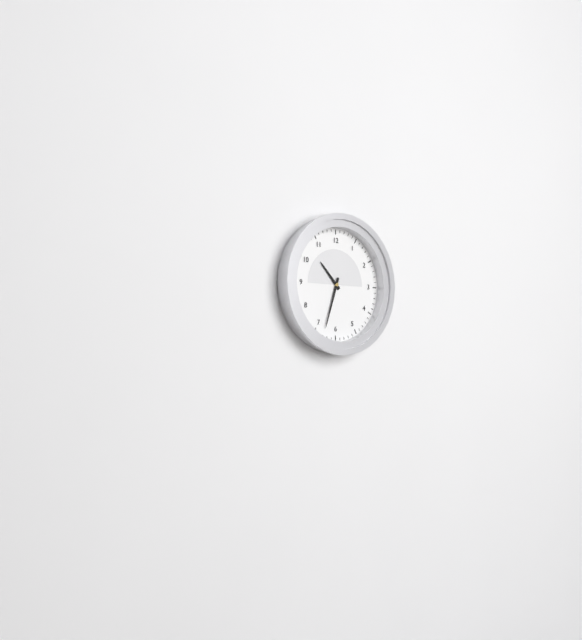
h=10 m=33
